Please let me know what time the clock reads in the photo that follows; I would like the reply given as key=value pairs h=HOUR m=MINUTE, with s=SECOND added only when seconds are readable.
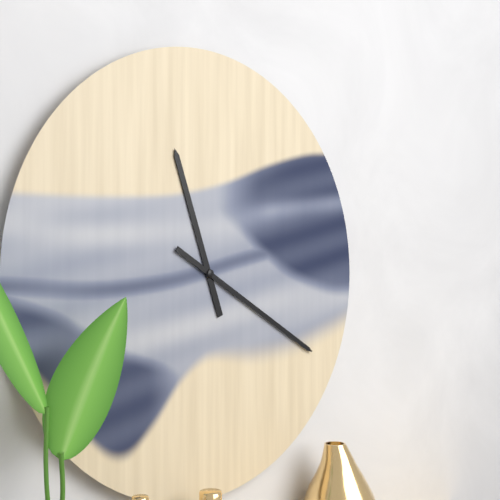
h=11 m=20
